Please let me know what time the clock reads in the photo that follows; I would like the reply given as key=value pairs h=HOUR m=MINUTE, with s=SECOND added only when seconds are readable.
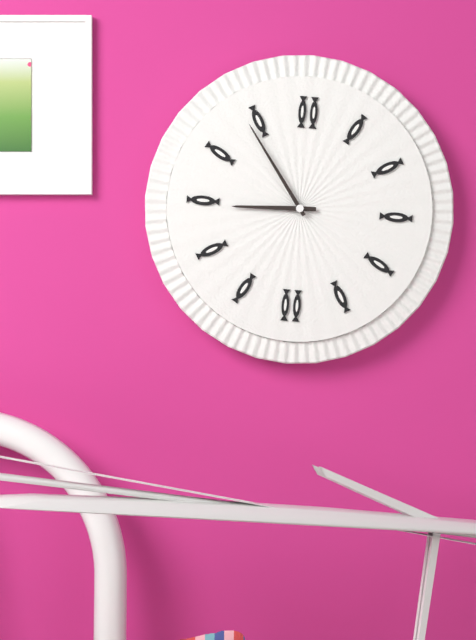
h=8 m=54
